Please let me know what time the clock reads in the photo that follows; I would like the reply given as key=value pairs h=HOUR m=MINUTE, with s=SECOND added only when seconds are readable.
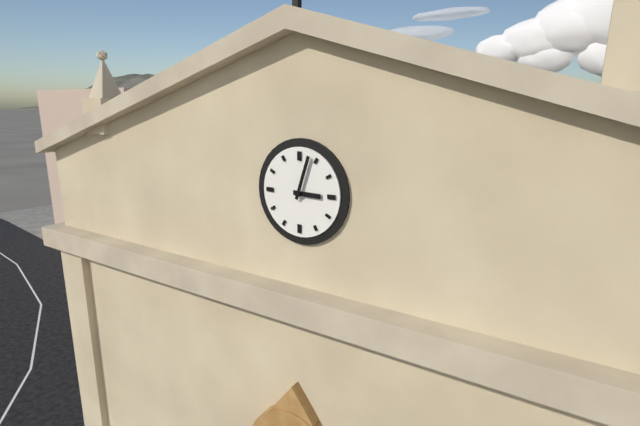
h=3 m=3
